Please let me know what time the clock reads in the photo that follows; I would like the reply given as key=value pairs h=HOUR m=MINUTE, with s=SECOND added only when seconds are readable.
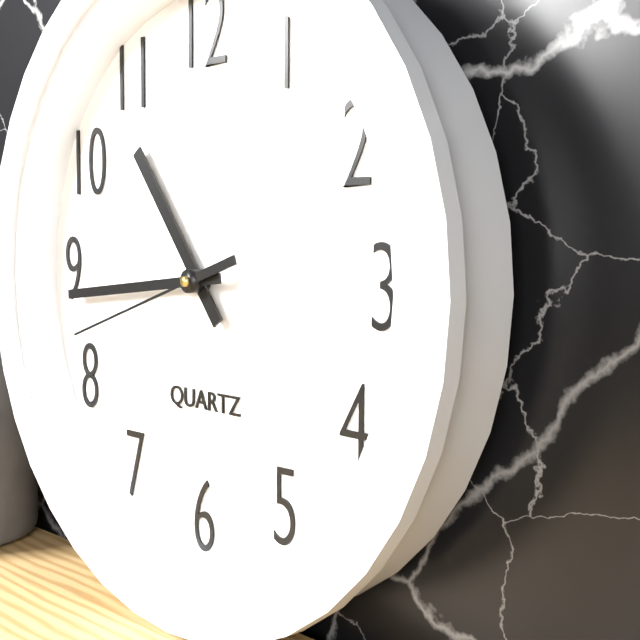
h=10 m=44 s=42
